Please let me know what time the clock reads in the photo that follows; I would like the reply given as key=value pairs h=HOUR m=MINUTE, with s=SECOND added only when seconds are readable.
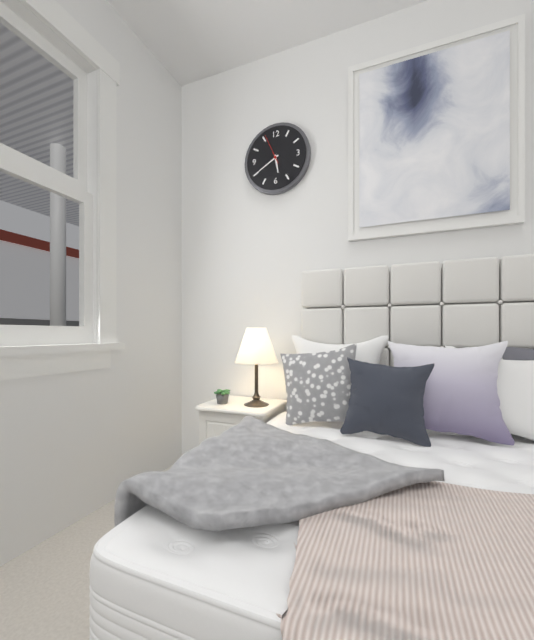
h=5 m=40
